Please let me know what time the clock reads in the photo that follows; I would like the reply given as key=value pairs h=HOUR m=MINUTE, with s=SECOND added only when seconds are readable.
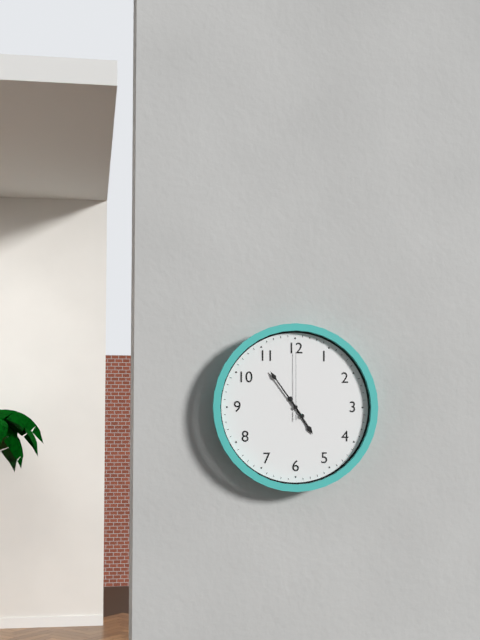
h=4 m=54 s=0
